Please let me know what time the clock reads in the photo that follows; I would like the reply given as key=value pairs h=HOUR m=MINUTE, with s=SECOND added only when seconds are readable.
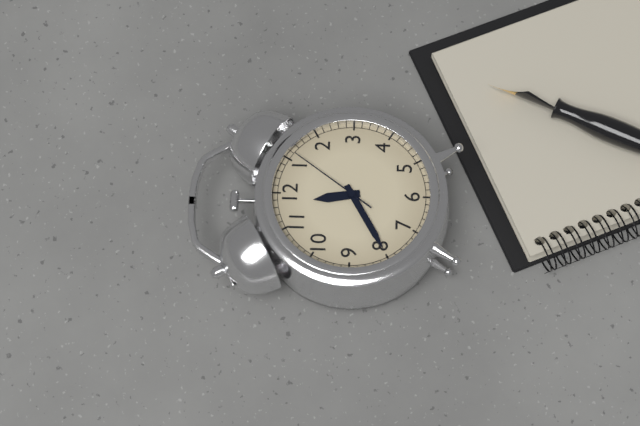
h=11 m=40 s=6
